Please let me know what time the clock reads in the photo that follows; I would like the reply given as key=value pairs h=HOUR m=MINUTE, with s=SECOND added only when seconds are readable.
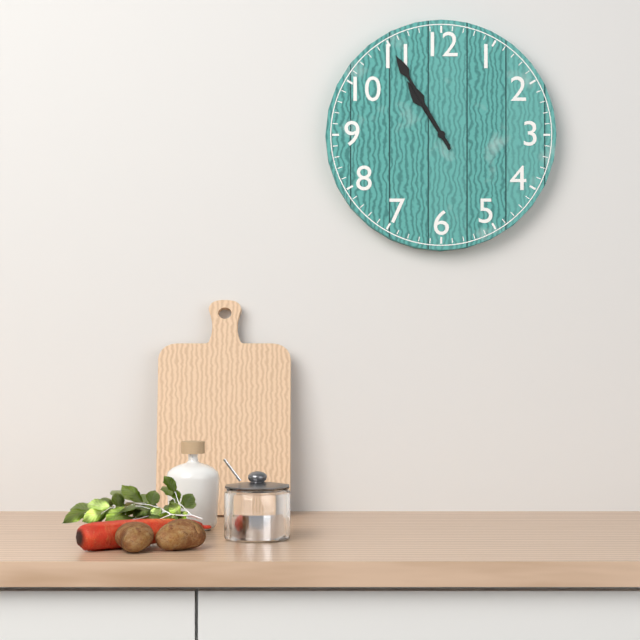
h=10 m=55
